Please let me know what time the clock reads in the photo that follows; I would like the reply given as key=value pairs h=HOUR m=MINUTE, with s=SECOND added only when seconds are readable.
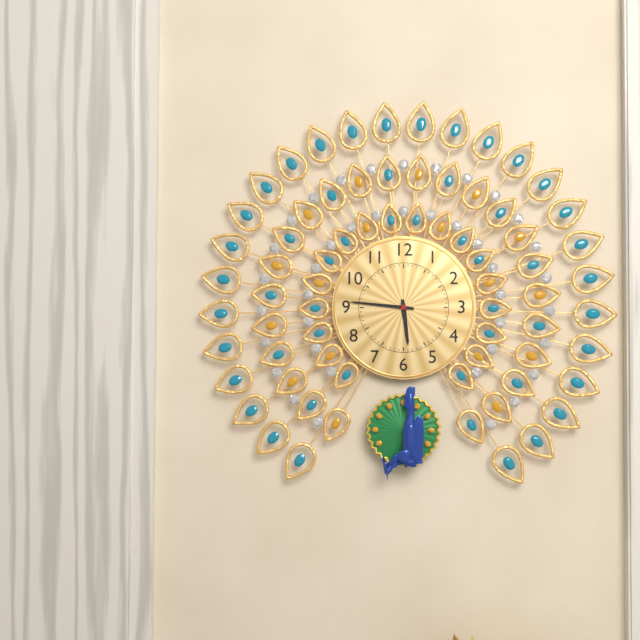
h=5 m=46
